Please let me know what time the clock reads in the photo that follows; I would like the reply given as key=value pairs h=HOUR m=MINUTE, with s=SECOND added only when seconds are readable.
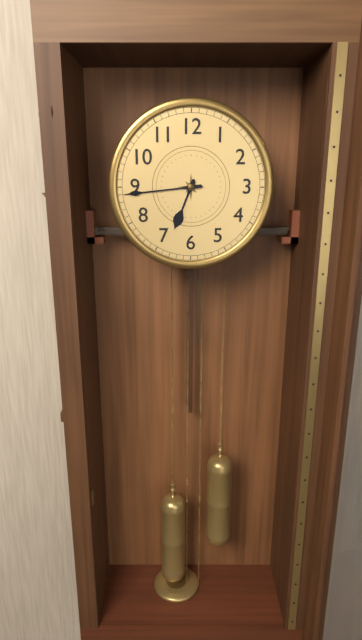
h=6 m=44
